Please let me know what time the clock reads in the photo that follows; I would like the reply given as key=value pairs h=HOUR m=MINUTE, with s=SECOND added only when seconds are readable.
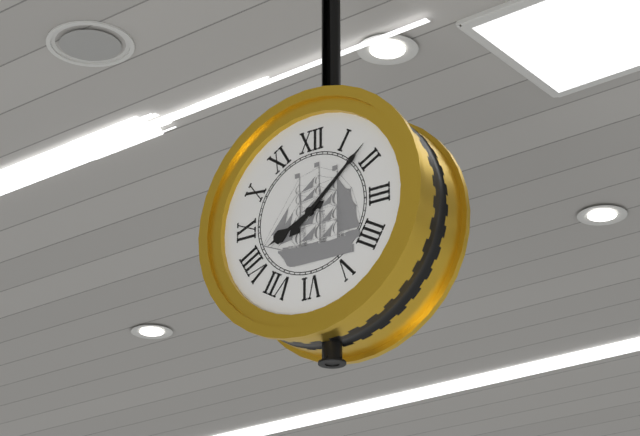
h=8 m=8
